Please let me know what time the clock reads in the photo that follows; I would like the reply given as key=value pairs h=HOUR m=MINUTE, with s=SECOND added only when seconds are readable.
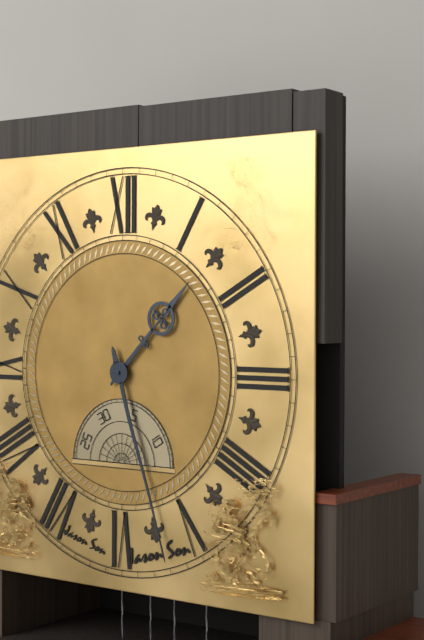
h=1 m=27
